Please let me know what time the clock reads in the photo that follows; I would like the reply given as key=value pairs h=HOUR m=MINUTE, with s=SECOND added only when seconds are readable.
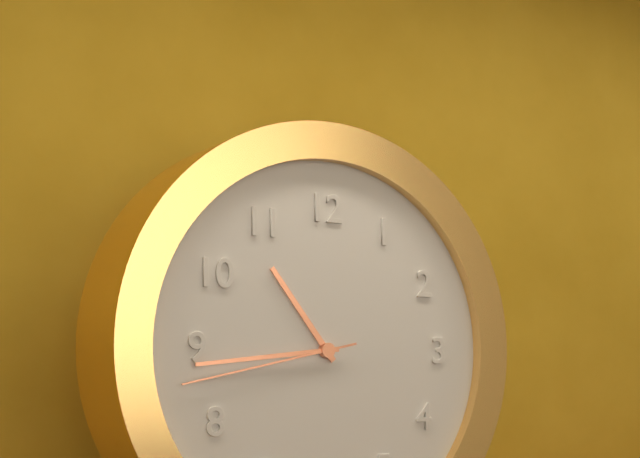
h=10 m=44 s=43
